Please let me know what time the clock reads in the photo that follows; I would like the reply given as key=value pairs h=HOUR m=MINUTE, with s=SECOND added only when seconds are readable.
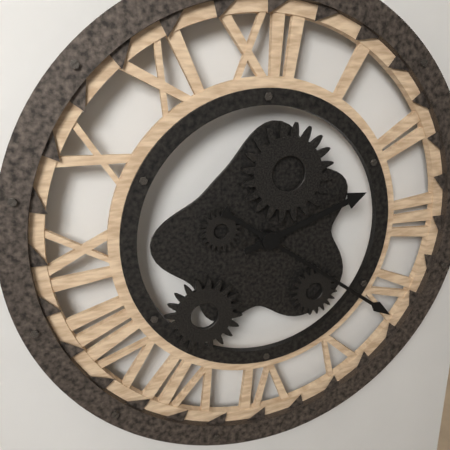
h=2 m=21
